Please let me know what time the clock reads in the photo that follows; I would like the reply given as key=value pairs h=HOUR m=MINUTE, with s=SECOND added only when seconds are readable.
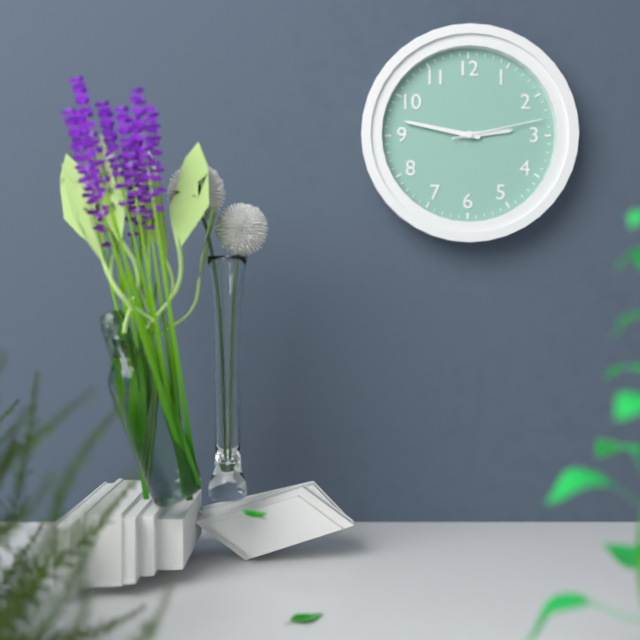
h=2 m=47 s=13
